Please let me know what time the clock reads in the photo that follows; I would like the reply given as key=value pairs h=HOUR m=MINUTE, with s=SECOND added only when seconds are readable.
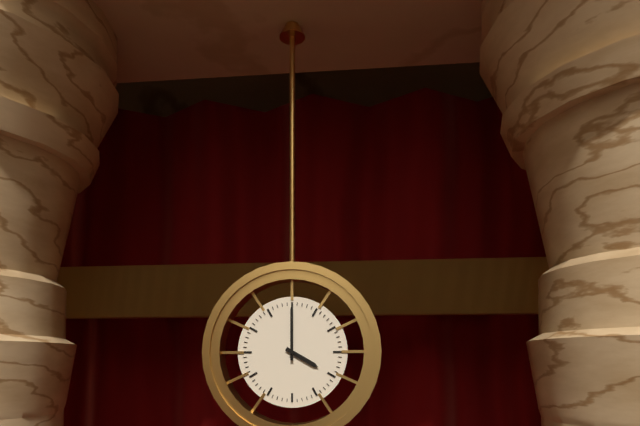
h=4 m=0
